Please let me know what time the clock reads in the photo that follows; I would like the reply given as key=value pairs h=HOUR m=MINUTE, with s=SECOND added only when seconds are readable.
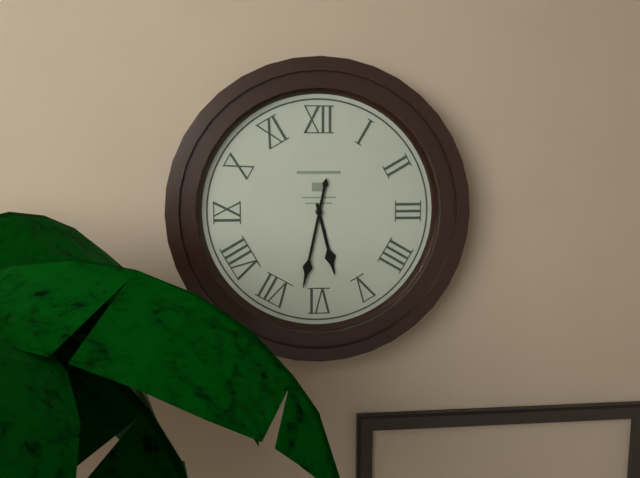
h=5 m=32
